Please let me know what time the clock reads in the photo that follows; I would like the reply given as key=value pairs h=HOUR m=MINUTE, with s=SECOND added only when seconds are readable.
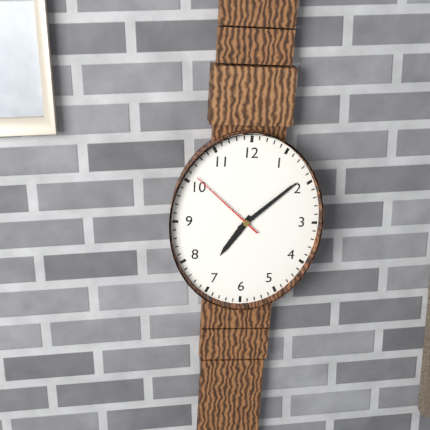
h=7 m=8 s=52
